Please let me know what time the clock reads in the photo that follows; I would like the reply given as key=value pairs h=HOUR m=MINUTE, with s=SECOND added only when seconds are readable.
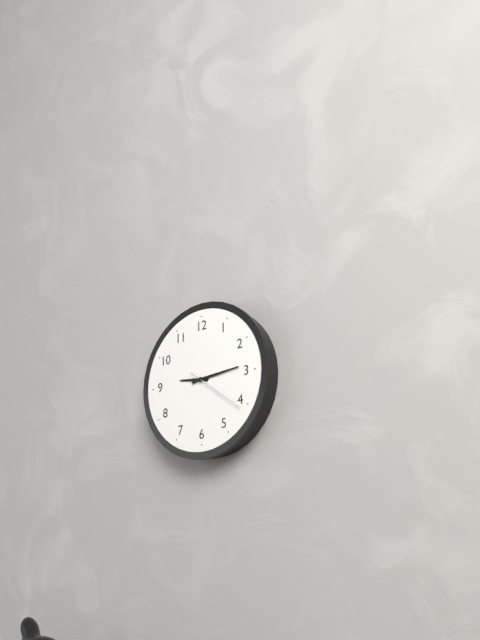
h=9 m=14 s=21
